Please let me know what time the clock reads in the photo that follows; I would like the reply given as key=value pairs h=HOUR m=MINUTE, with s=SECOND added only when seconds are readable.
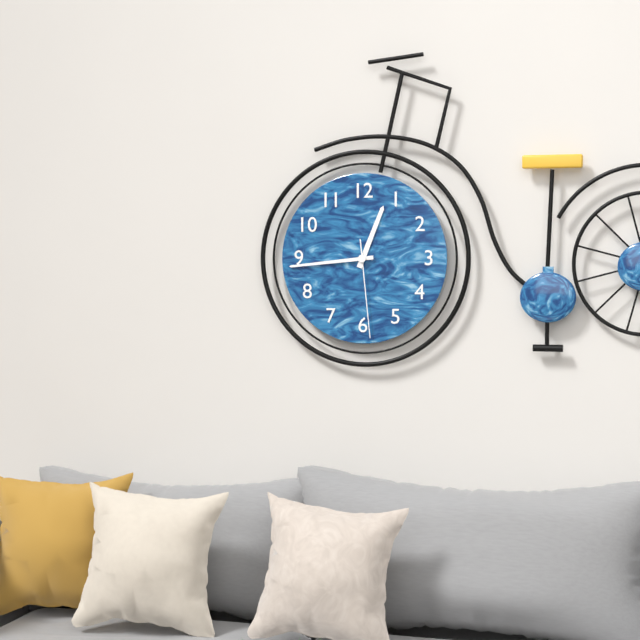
h=12 m=44 s=29
